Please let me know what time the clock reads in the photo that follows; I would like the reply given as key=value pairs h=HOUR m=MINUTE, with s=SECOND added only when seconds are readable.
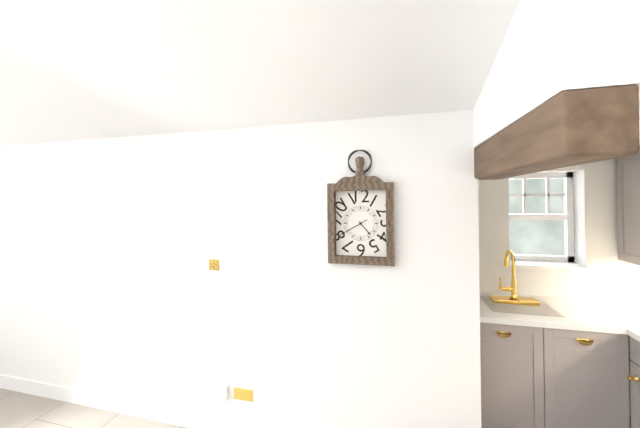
h=4 m=40
